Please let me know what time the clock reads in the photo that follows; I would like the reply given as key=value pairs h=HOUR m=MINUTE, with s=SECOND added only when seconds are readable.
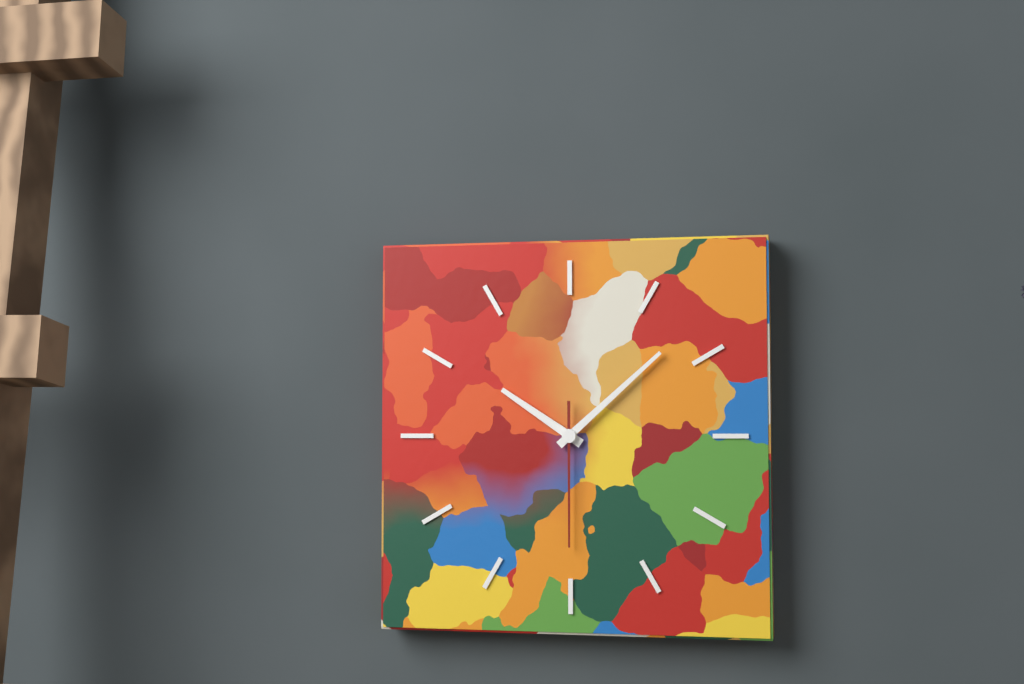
h=10 m=8 s=30
